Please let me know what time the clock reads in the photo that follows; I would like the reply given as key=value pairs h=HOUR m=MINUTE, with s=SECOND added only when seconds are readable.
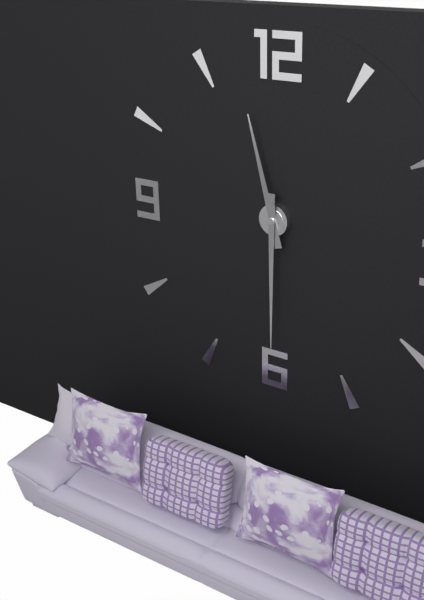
h=11 m=30
